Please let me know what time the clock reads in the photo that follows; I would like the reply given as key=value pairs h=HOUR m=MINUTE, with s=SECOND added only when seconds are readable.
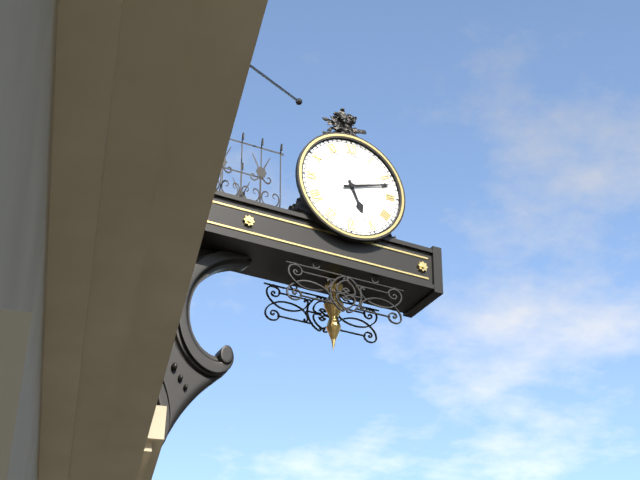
h=5 m=12
